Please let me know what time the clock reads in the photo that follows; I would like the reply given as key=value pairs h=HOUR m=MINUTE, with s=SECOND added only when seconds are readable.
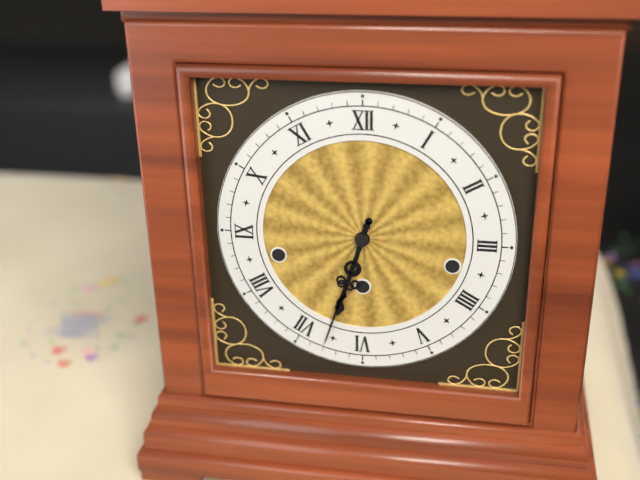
h=6 m=33
